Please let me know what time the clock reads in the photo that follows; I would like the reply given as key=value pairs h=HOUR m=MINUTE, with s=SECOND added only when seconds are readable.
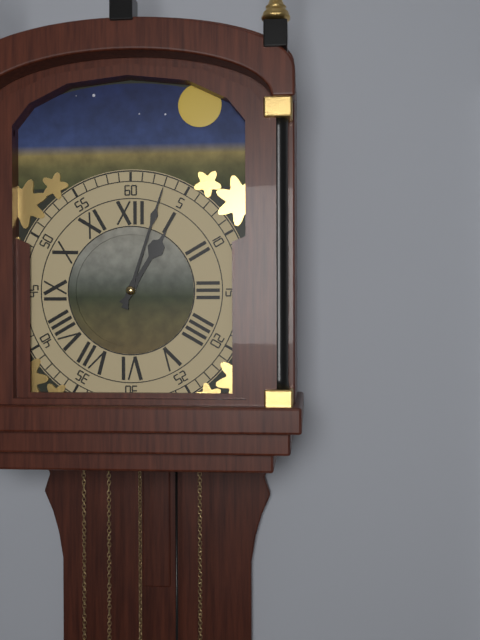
h=1 m=3
